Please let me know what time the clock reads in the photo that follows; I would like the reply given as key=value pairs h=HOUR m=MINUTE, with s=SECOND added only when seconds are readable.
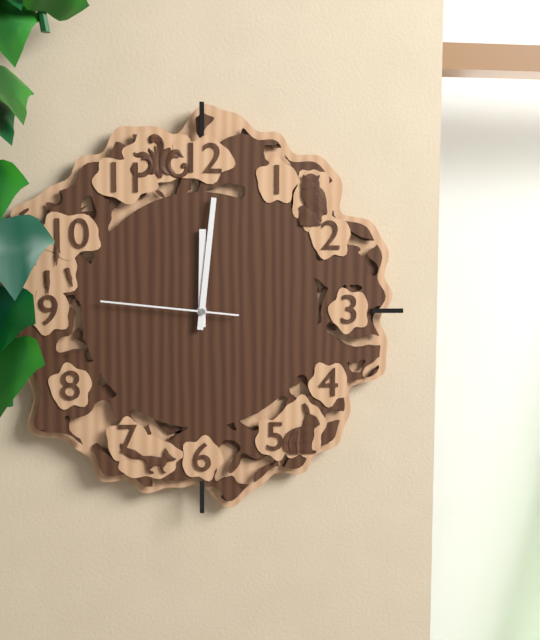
h=12 m=1 s=46
